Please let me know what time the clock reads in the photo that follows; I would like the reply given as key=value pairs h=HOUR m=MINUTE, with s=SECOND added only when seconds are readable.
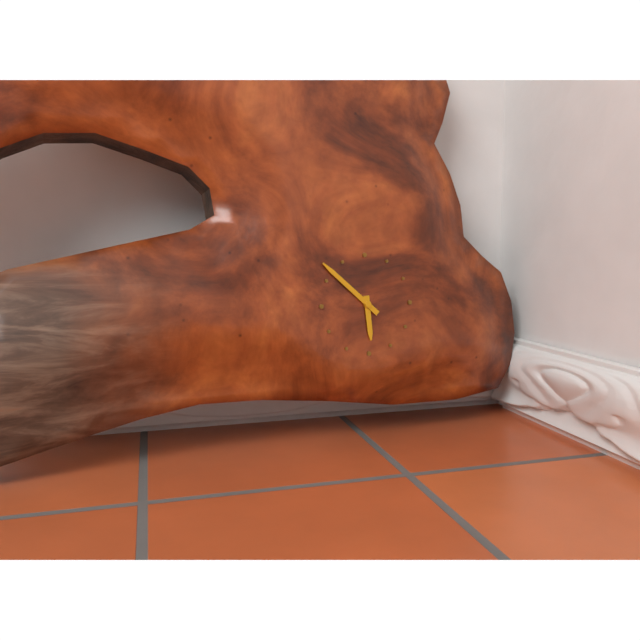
h=5 m=52
